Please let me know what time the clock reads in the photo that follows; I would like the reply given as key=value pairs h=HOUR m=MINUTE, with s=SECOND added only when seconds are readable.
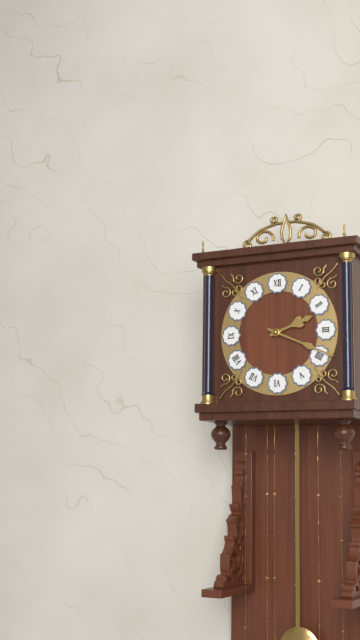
h=2 m=19
